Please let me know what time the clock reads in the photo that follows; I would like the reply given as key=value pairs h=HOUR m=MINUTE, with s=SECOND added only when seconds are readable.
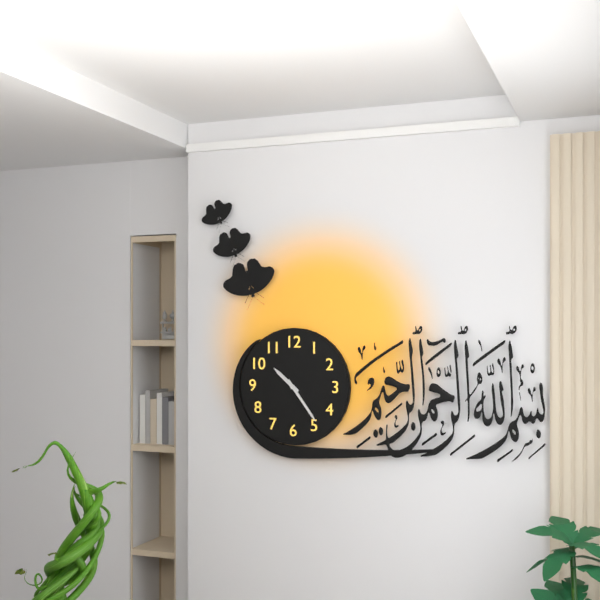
h=10 m=24
